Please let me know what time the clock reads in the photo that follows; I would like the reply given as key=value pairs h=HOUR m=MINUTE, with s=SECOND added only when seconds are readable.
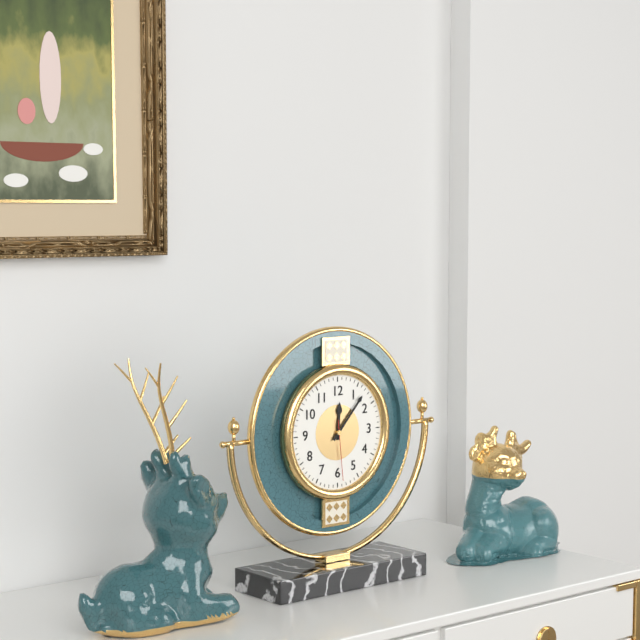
h=12 m=7 s=29
